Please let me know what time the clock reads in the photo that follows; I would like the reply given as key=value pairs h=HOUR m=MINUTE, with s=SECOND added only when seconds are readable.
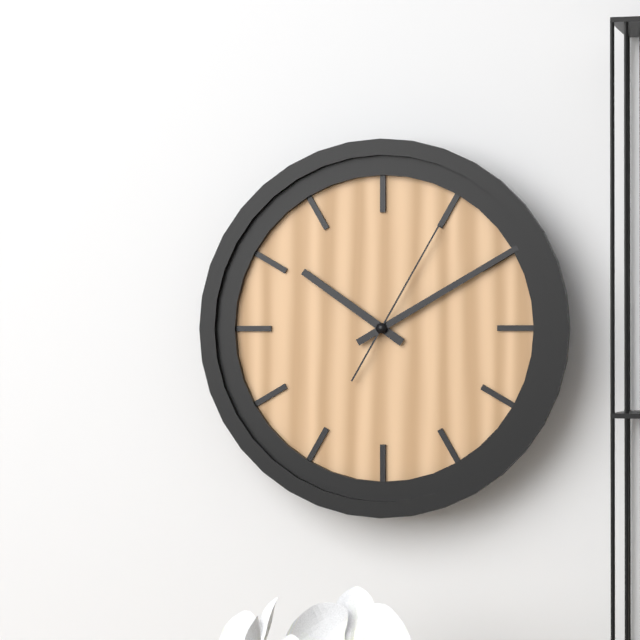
h=10 m=10 s=5
